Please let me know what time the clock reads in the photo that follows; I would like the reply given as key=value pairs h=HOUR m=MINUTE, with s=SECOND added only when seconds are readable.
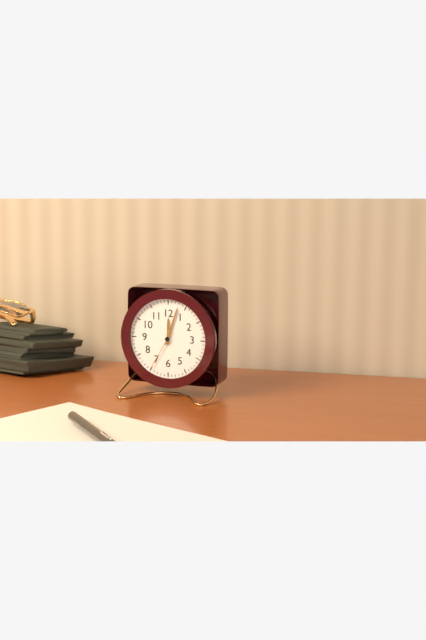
h=12 m=3
